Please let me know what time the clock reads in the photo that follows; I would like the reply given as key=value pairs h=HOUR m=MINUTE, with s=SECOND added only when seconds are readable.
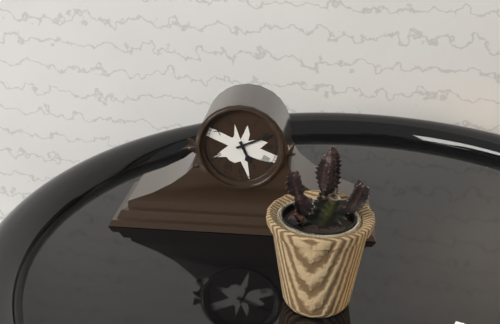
h=5 m=11
